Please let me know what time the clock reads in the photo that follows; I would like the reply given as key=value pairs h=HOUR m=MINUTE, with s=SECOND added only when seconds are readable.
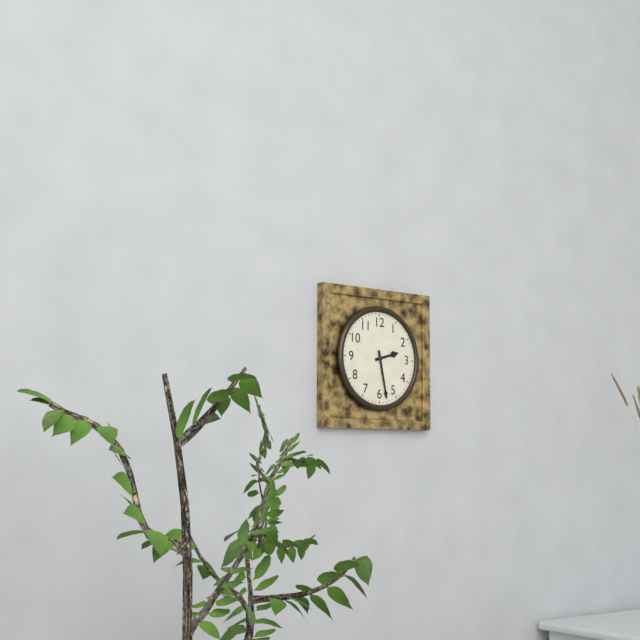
h=2 m=28
